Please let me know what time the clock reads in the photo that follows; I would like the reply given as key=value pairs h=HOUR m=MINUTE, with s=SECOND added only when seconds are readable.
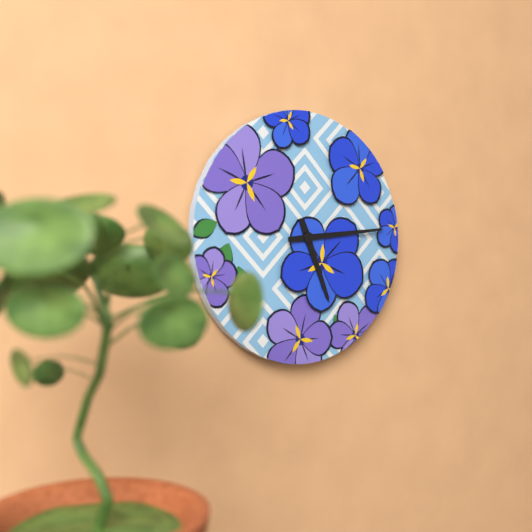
h=5 m=14
